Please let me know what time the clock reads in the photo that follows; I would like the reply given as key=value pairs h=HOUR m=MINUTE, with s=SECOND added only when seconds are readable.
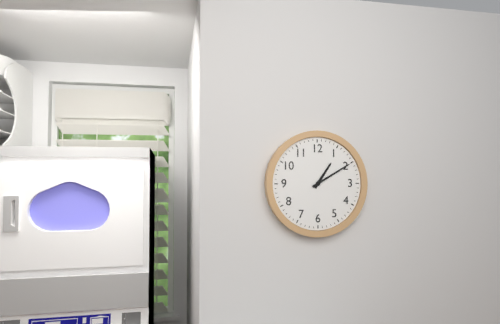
h=1 m=10
